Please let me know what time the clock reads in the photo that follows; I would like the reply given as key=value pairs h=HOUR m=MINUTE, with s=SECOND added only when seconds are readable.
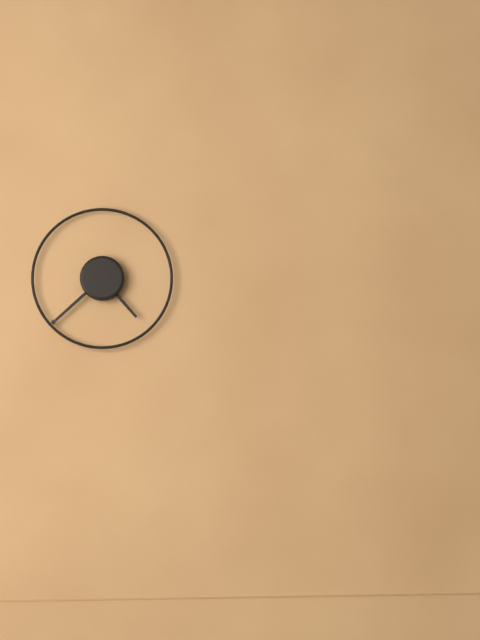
h=4 m=38
